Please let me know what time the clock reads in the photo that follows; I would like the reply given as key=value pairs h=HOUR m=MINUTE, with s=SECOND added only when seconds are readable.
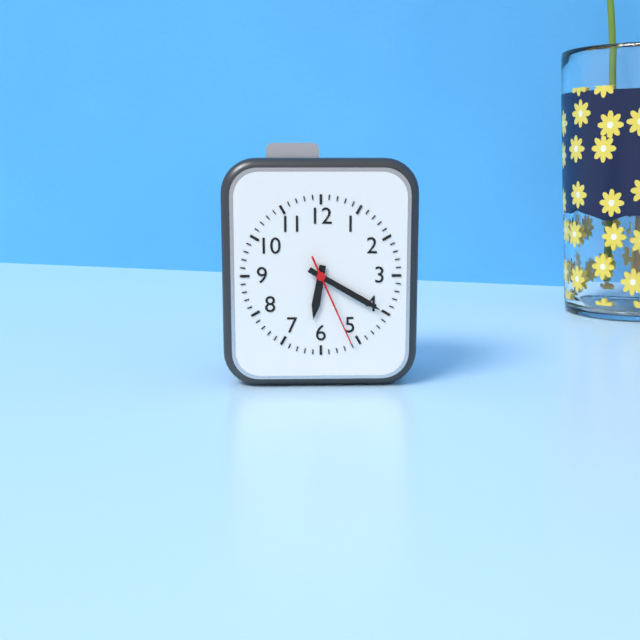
h=6 m=20 s=26
